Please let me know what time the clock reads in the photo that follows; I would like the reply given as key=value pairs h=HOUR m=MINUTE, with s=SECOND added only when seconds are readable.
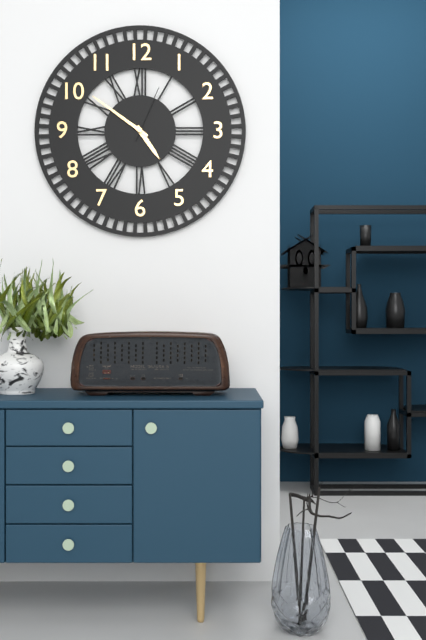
h=4 m=51 s=4
